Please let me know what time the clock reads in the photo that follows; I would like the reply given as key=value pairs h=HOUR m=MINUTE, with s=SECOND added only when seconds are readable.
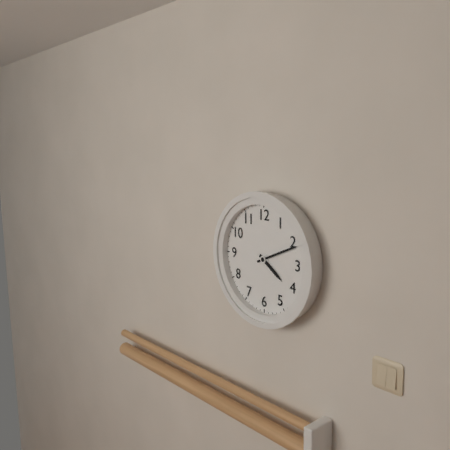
h=4 m=11
